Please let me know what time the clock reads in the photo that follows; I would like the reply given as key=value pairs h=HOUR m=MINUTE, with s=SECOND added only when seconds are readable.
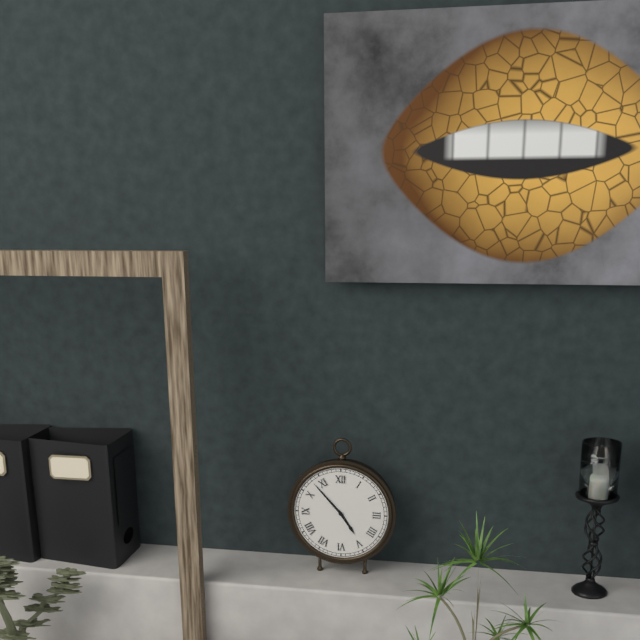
h=4 m=53
